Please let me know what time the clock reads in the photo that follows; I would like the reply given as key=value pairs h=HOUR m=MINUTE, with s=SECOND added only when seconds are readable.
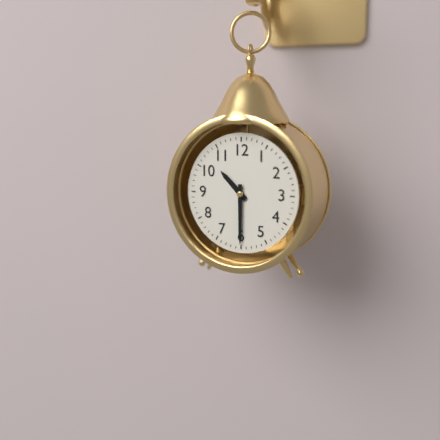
h=10 m=30
